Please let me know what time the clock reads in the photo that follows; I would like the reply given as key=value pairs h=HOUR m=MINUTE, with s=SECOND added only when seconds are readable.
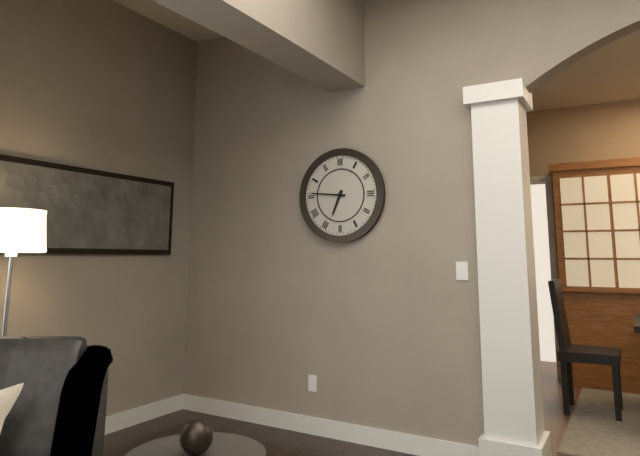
h=6 m=46
